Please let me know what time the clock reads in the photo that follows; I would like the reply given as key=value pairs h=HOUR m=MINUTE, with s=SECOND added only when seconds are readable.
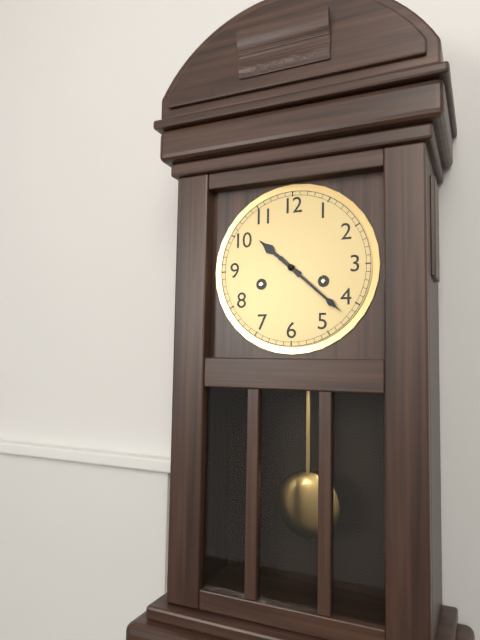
h=10 m=22
